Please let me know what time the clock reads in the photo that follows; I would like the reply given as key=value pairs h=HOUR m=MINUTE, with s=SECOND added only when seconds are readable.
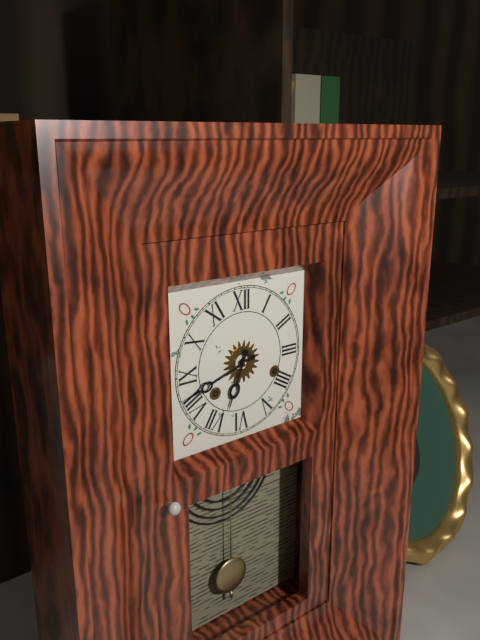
h=6 m=42
